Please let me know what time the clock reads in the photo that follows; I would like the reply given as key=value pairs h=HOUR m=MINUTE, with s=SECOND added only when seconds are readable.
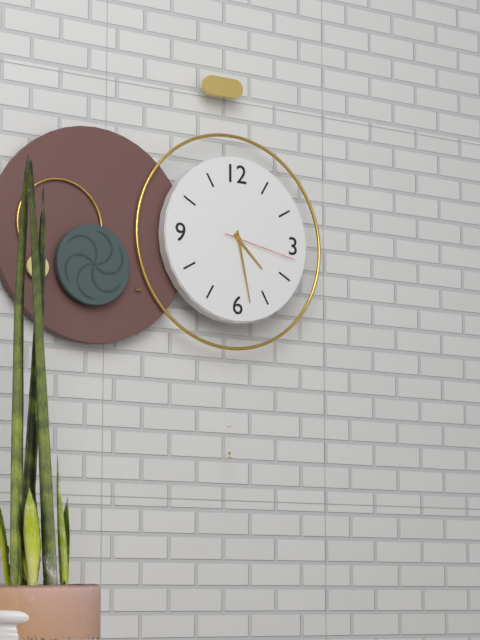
h=4 m=28 s=17
